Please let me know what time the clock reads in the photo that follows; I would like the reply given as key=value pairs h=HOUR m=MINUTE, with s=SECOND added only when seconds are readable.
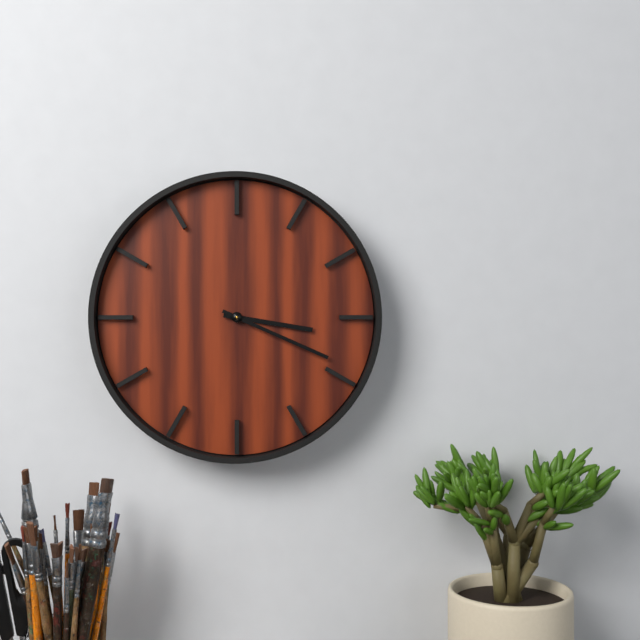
h=3 m=19
